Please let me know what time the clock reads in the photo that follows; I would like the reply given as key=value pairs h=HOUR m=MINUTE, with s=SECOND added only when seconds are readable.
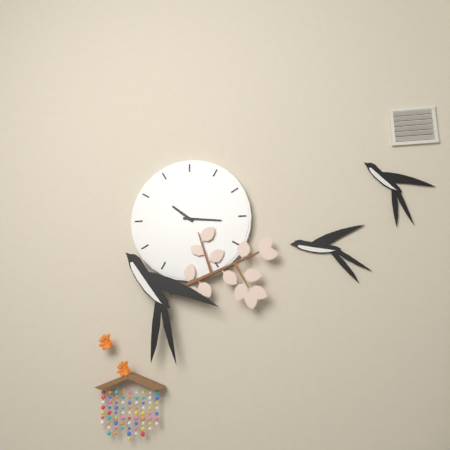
h=10 m=16
